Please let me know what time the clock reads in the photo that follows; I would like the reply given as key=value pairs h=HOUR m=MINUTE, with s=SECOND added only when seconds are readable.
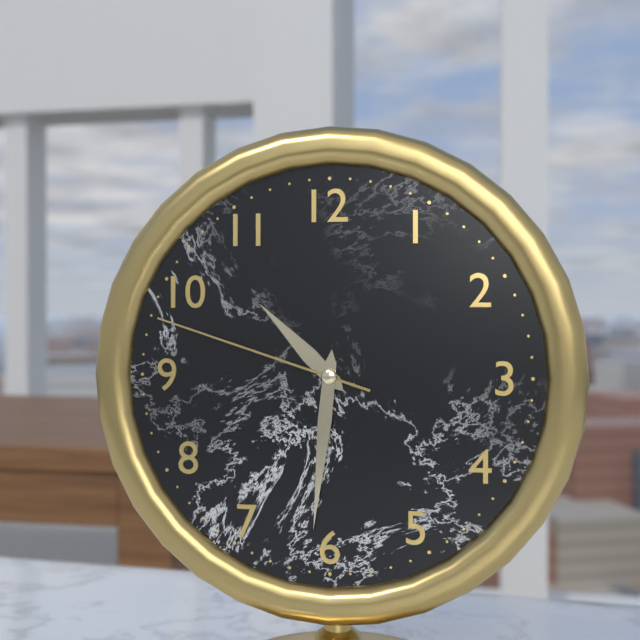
h=10 m=31 s=48
